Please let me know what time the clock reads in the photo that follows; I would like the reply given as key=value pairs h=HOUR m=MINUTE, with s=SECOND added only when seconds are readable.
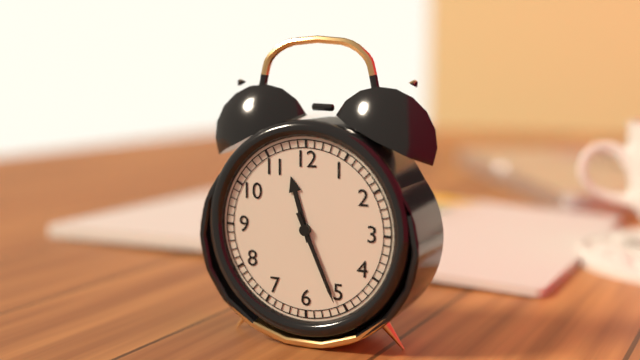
h=11 m=26
